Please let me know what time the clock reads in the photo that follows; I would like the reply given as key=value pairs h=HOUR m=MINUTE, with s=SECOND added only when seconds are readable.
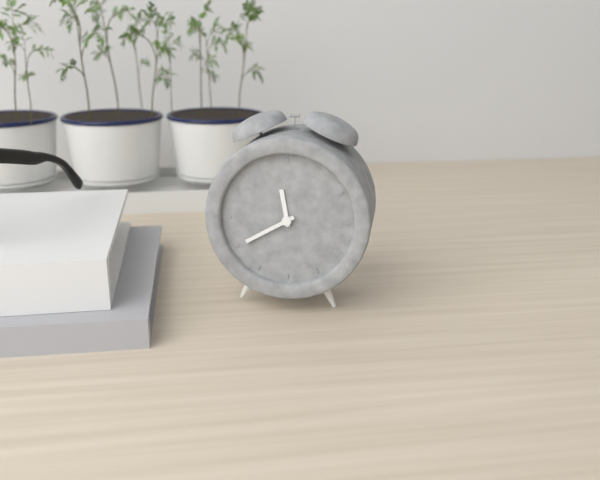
h=11 m=40
